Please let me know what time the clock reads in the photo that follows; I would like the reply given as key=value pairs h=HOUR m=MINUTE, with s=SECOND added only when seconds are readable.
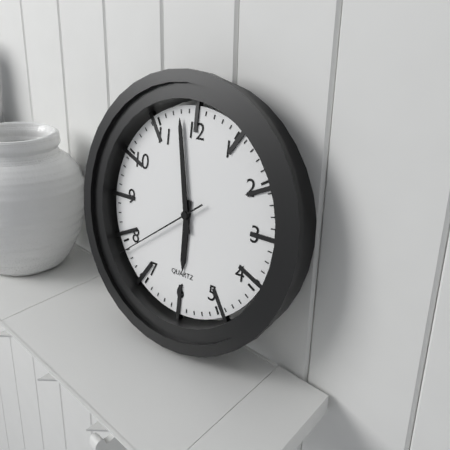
h=5 m=58 s=39
